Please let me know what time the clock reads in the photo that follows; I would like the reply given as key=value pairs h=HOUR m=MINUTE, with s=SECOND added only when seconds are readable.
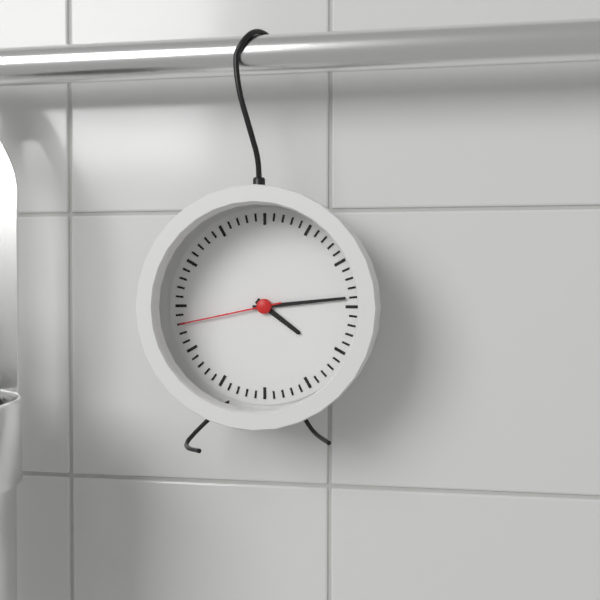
h=4 m=14 s=43
